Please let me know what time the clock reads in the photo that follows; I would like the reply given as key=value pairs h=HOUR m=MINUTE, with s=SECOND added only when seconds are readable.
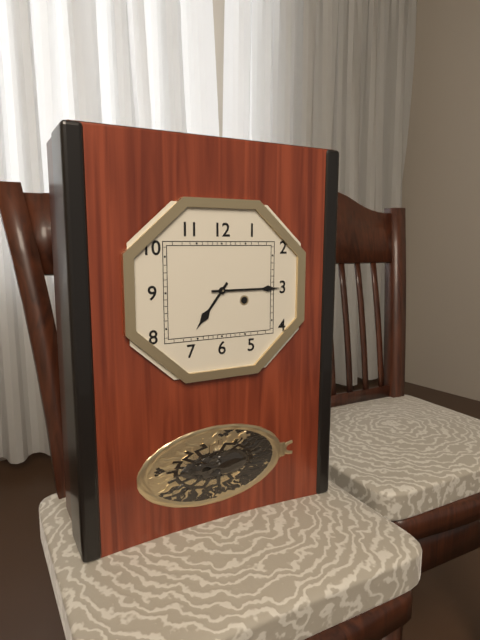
h=7 m=15
